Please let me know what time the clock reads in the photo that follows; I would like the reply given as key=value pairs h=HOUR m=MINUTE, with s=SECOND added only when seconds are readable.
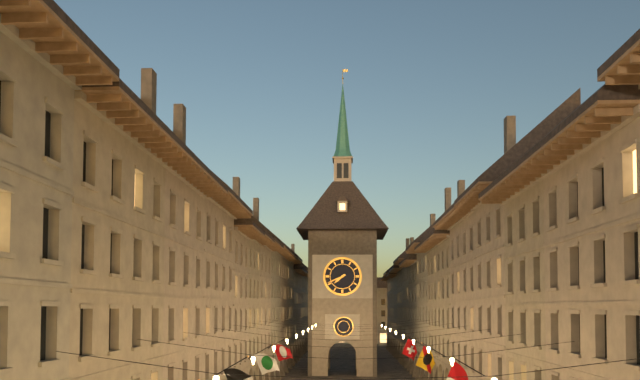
h=7 m=41
